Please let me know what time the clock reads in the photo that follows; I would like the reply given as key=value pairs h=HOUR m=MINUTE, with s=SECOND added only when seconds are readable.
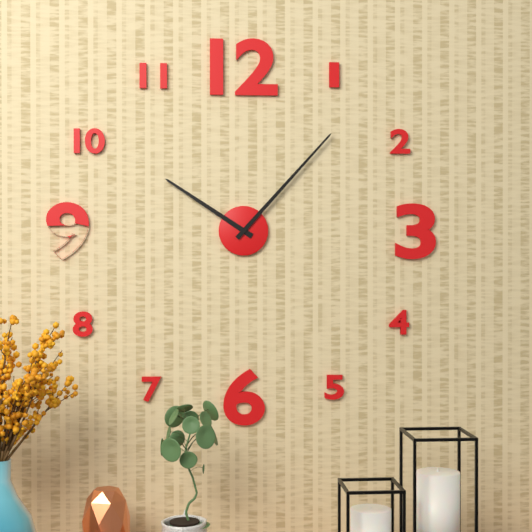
h=10 m=7
